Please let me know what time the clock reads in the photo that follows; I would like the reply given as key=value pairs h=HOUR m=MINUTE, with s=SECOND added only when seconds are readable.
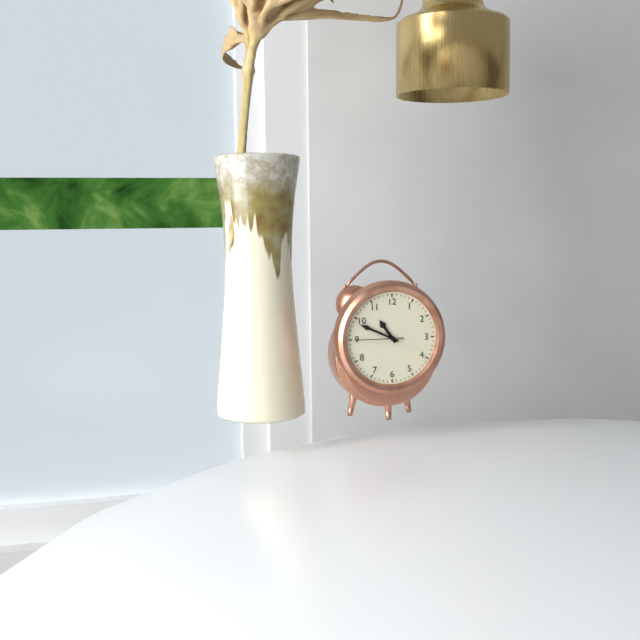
h=10 m=49
